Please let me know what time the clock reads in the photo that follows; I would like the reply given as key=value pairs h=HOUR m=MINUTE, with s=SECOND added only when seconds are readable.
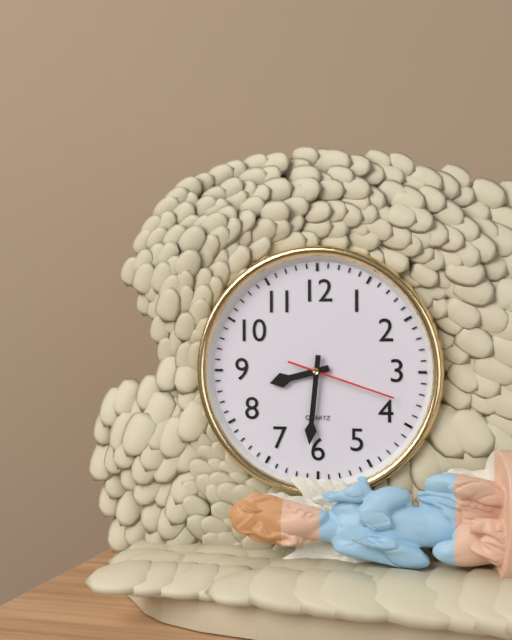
h=8 m=31 s=18
